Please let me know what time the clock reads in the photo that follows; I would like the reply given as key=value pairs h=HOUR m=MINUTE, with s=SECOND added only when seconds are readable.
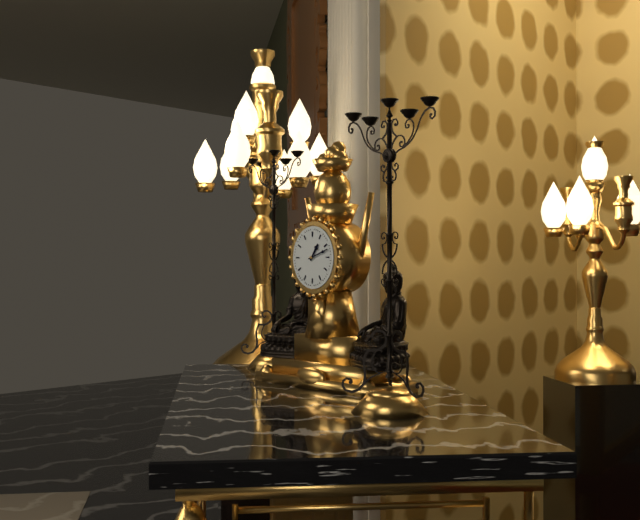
h=1 m=12
